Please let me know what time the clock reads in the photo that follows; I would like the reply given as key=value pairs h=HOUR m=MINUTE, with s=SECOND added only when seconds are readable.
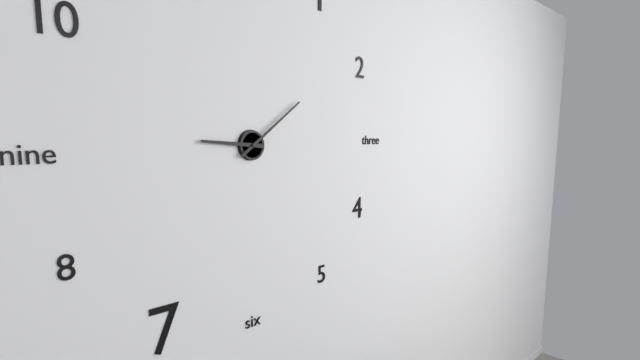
h=9 m=9
